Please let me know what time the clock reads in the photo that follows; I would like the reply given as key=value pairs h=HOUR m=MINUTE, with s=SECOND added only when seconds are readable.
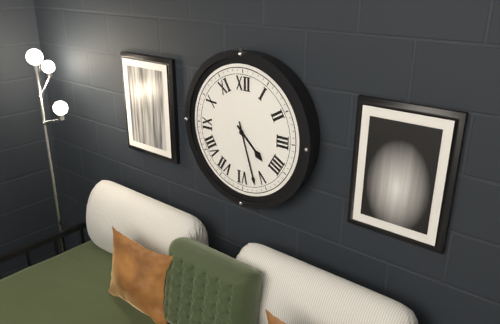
h=4 m=27
